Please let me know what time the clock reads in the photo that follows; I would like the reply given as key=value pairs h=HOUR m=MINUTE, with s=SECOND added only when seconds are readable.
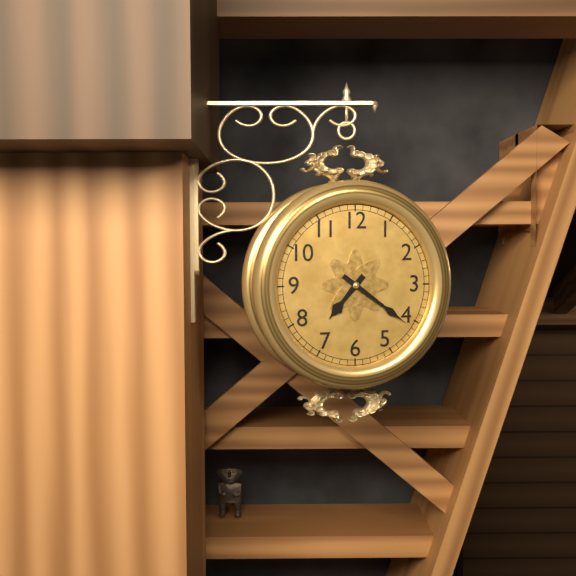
h=7 m=21
